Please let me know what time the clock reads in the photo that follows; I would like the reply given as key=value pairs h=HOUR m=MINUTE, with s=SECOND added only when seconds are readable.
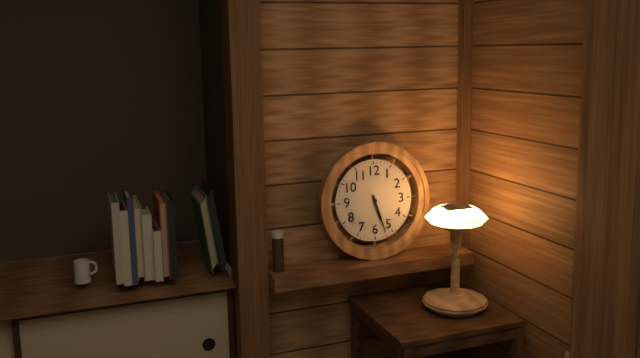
h=5 m=27
